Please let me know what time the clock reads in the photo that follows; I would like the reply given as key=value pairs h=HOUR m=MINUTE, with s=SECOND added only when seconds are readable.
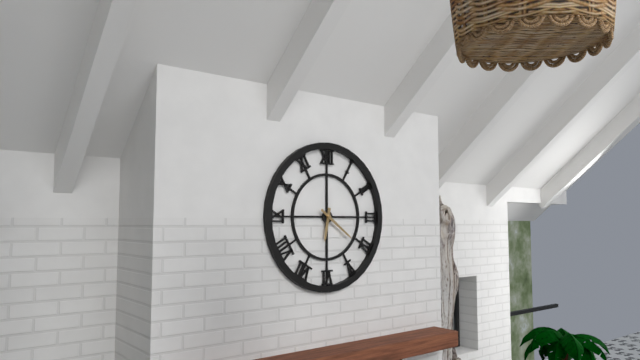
h=6 m=21
